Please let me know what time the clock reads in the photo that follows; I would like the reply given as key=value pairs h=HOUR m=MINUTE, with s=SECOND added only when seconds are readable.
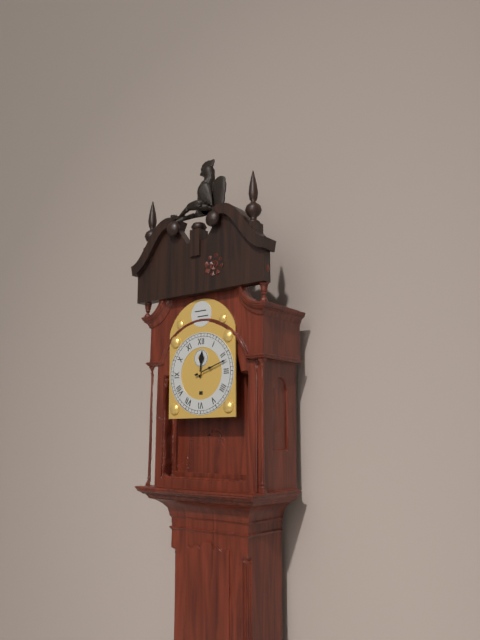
h=12 m=12
